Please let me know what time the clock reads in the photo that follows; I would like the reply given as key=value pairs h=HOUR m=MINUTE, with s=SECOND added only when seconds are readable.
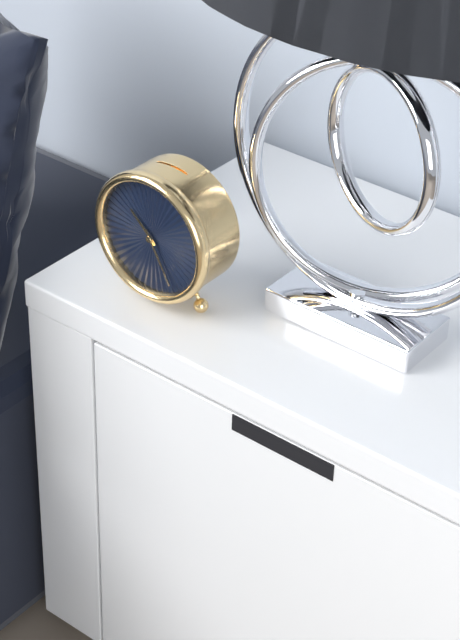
h=10 m=25
